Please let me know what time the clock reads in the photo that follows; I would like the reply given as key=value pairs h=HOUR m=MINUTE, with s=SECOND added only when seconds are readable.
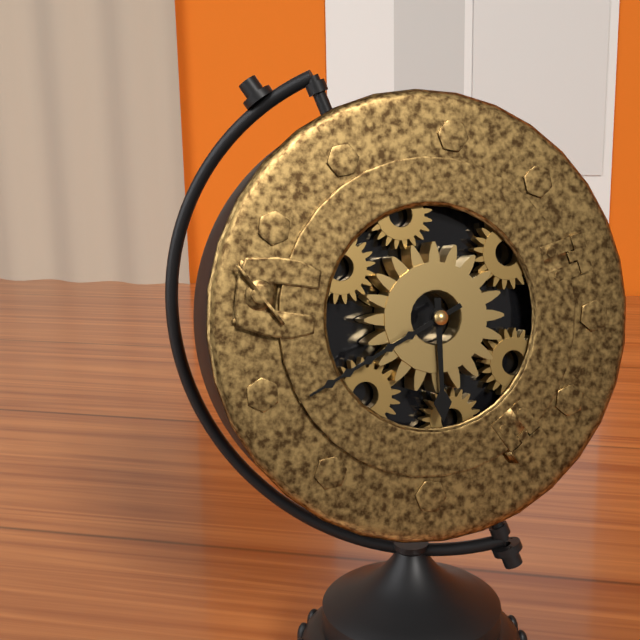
h=5 m=39
